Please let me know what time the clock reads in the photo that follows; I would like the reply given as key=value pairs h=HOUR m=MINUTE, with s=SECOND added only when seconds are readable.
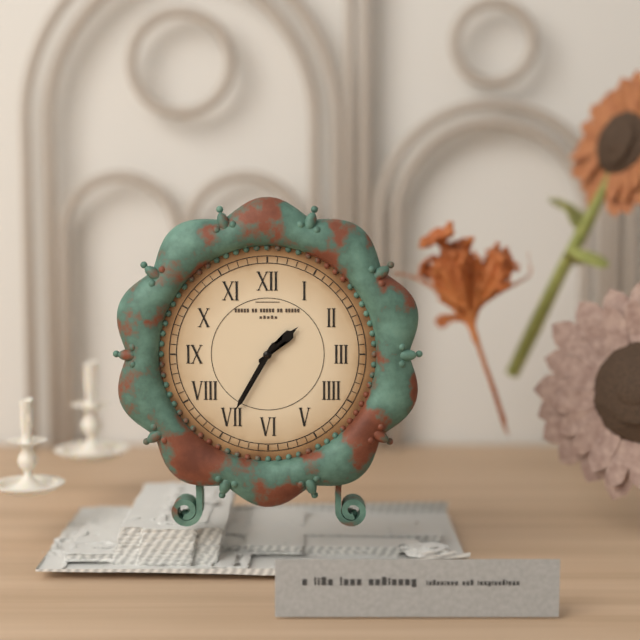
h=1 m=35
